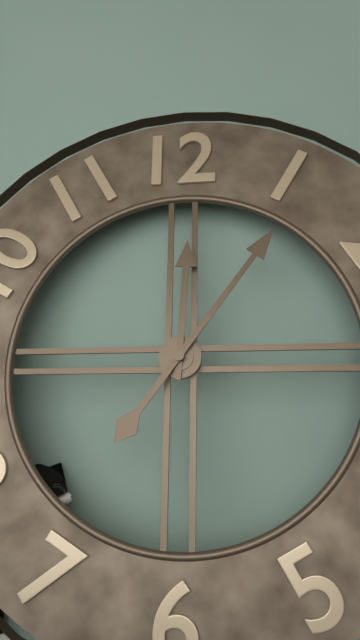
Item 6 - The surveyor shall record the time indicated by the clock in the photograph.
12:06
